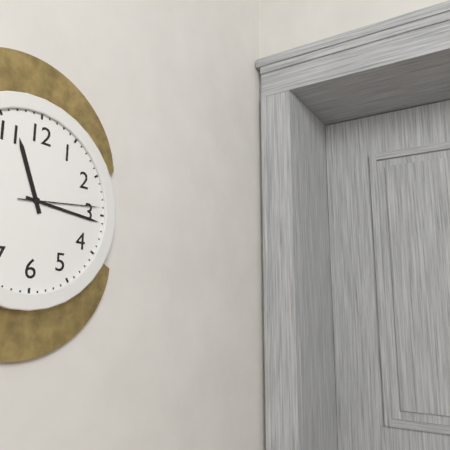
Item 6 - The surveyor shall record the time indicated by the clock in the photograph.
11:16:14
